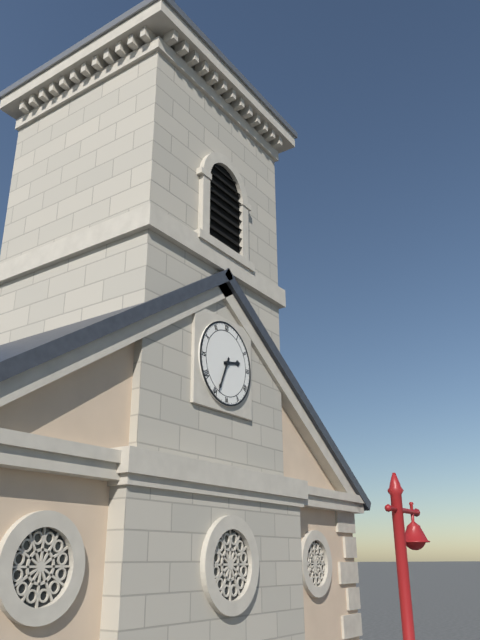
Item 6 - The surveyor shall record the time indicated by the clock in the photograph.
2:34
